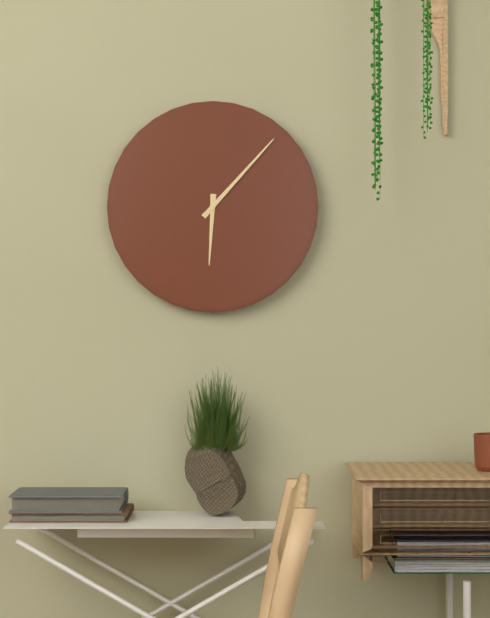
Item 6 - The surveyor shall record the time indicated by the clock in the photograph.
6:07
